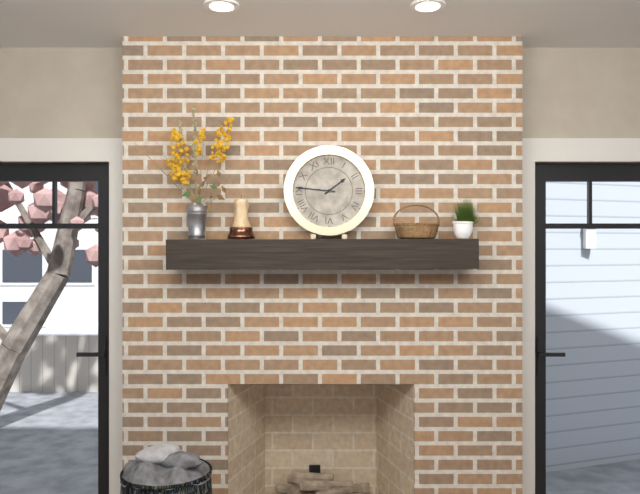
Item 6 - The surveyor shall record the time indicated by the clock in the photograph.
1:46
